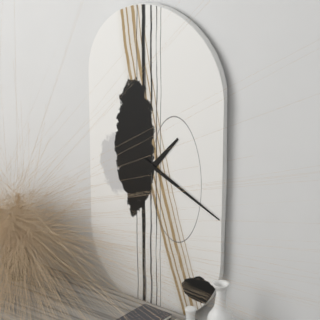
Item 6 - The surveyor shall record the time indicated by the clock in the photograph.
1:19
